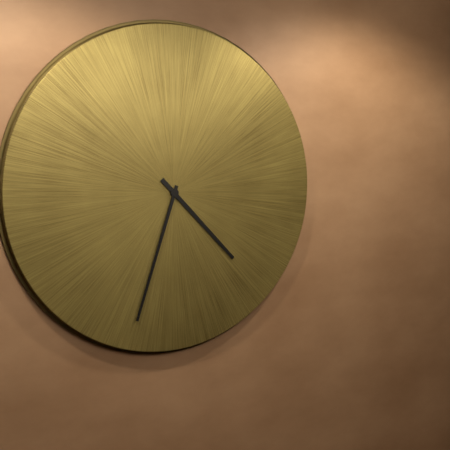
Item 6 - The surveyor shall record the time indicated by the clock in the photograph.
4:33
